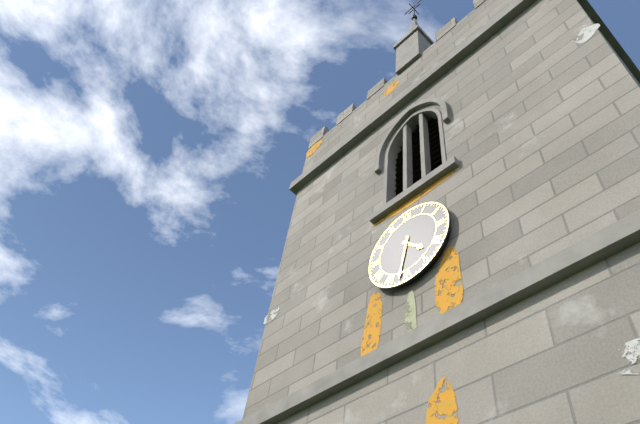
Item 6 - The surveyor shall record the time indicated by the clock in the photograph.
4:32
